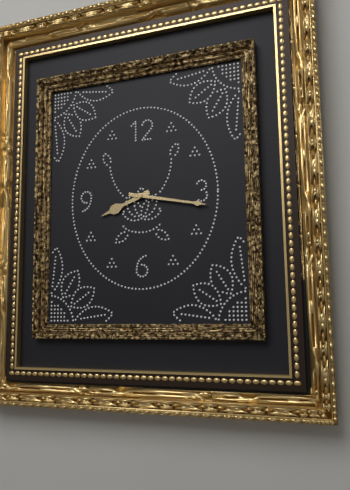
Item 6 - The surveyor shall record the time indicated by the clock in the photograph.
8:17
